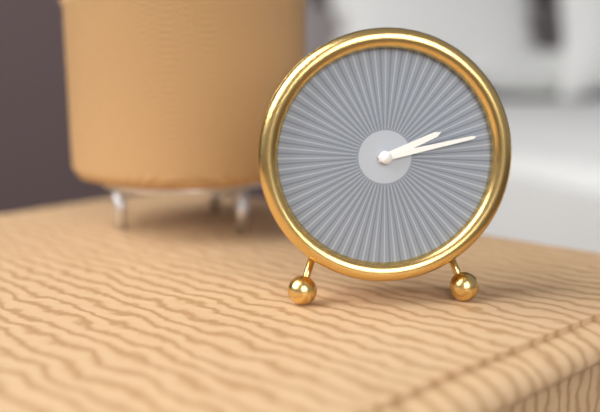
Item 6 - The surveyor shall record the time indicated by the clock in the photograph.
2:13
